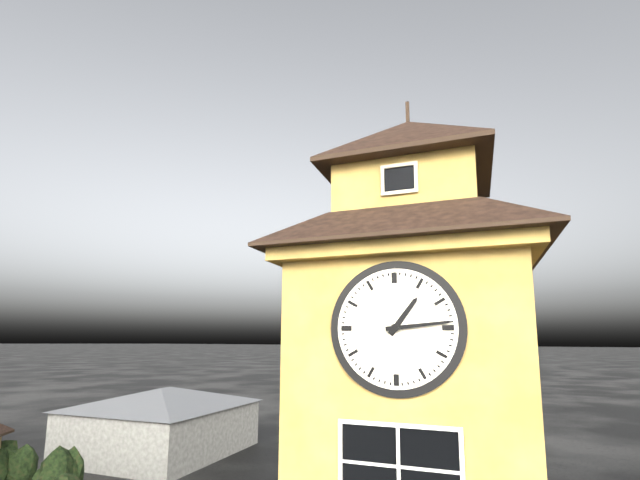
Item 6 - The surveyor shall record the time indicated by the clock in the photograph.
1:14
